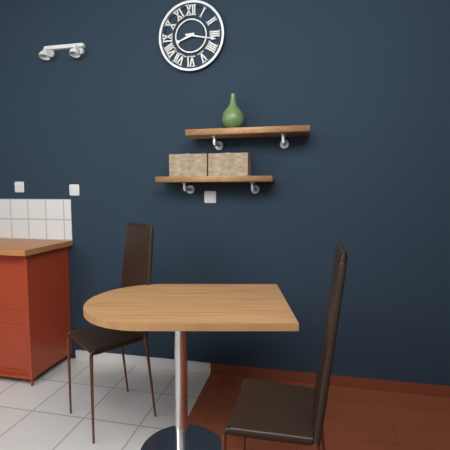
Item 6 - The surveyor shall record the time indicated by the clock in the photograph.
8:17
